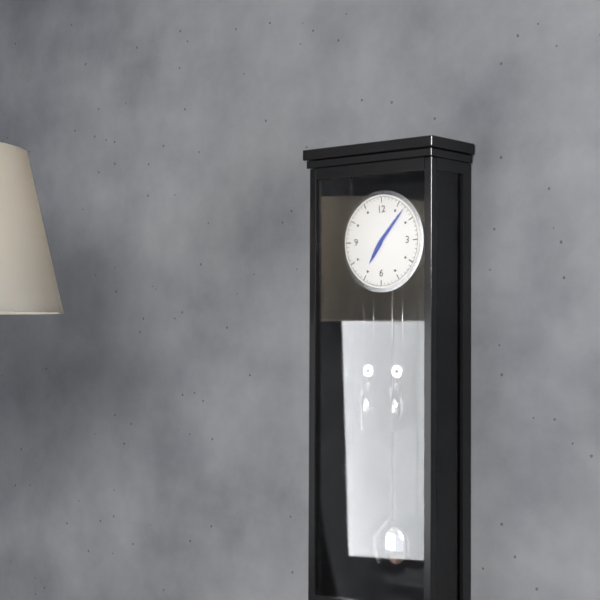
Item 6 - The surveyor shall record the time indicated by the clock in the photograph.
7:07
